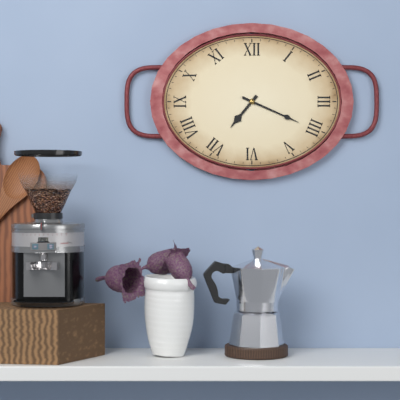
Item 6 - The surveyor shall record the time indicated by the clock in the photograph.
7:19
